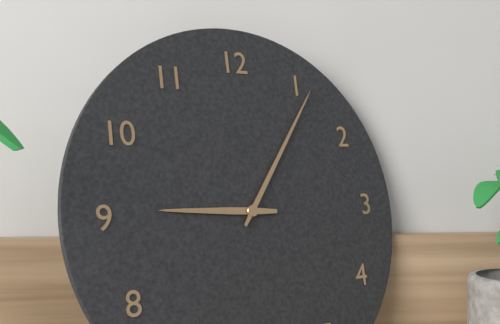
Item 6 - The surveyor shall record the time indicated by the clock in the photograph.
9:06
